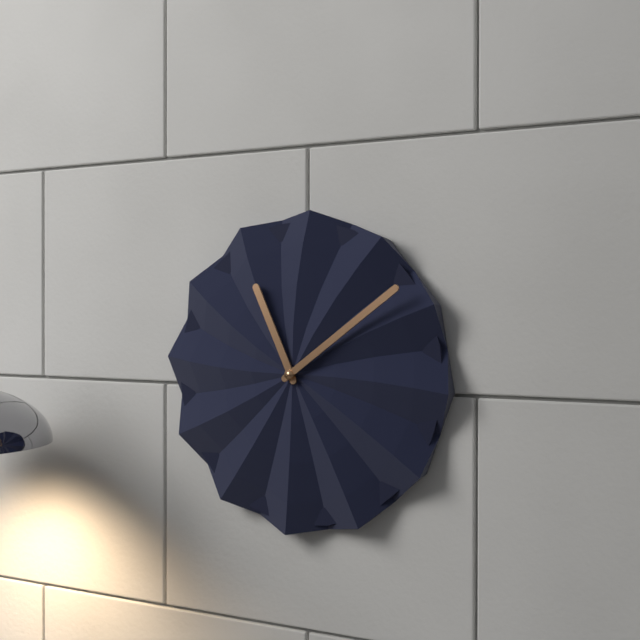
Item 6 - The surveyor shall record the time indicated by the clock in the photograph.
11:09
